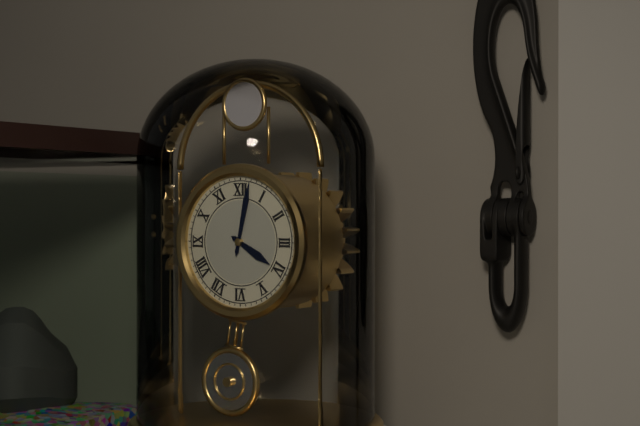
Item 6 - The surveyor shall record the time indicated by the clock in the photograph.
4:02
